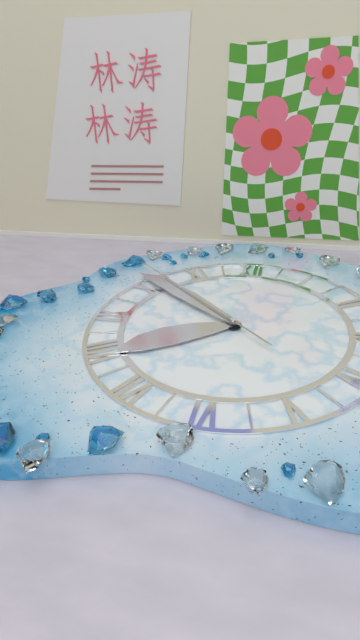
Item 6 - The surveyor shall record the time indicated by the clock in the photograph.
7:51:52
